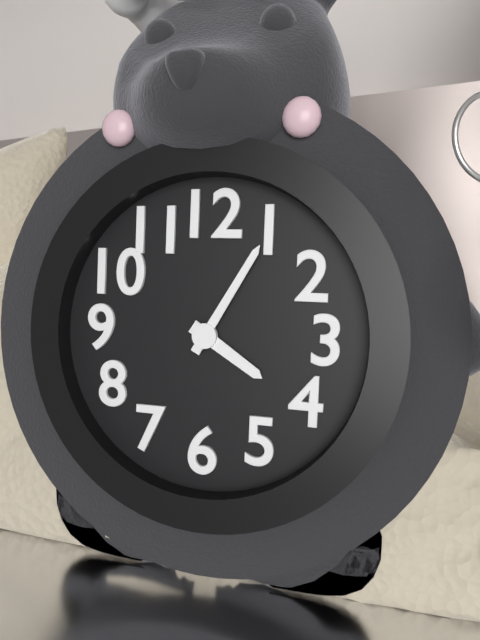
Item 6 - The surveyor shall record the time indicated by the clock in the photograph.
4:05
